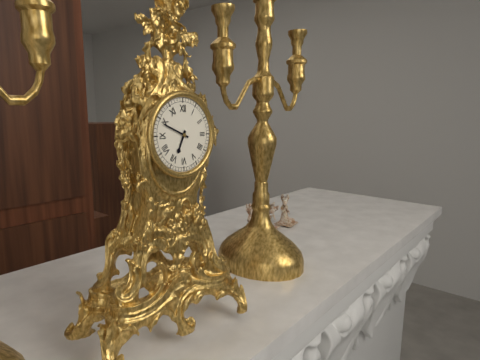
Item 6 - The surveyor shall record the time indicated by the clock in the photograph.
6:49
